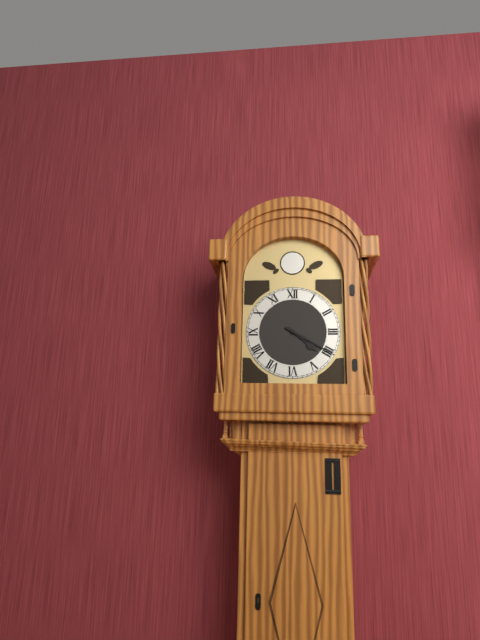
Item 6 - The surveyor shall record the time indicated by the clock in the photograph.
4:20
